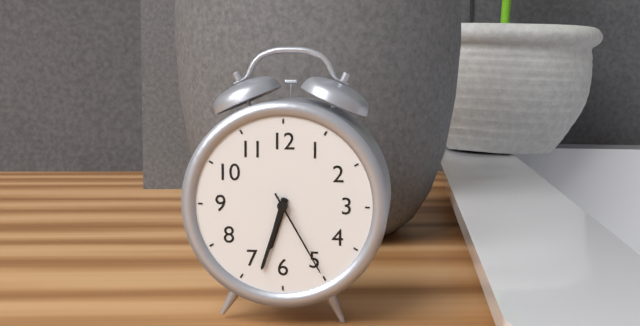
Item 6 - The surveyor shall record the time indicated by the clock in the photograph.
6:33:25
